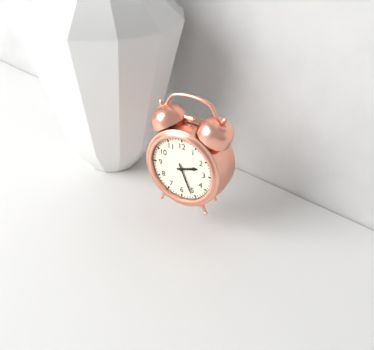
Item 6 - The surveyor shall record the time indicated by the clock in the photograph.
2:26
